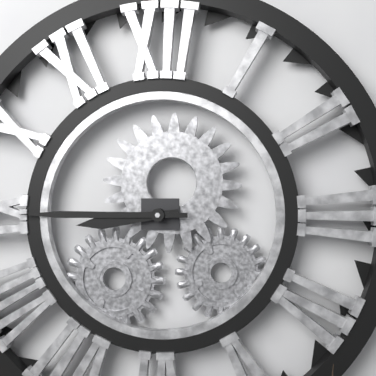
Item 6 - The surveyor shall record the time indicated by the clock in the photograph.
8:45
